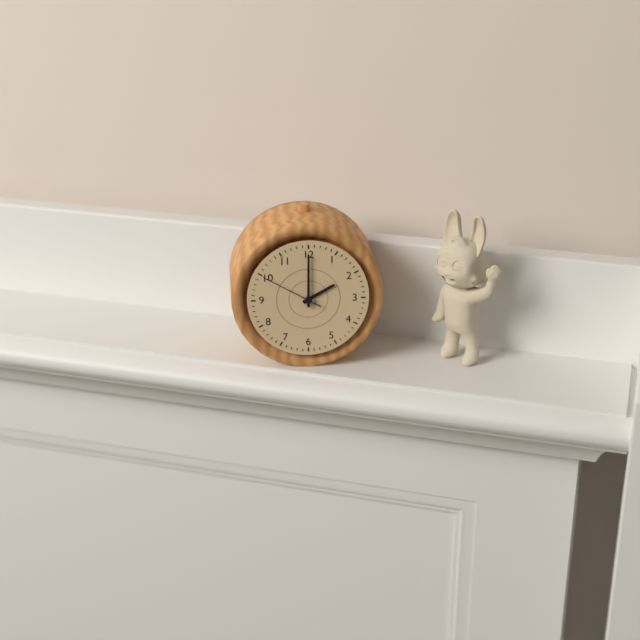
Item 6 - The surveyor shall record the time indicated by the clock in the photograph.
2:00:50
